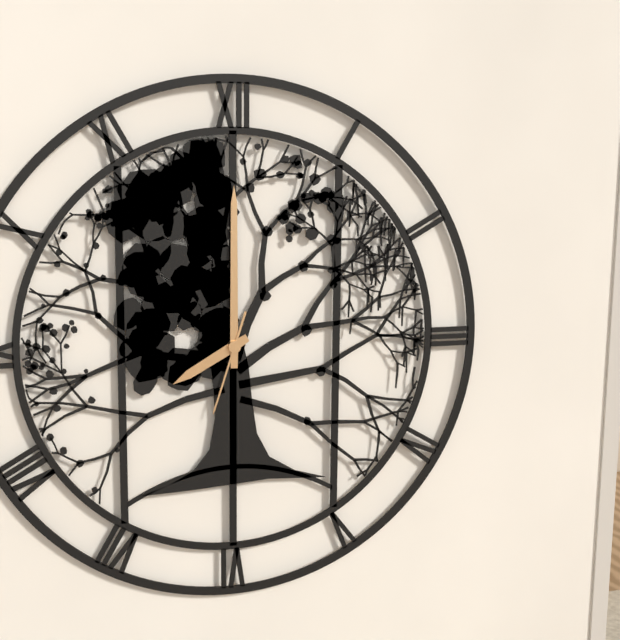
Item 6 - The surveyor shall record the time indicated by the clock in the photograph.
8:00:33
